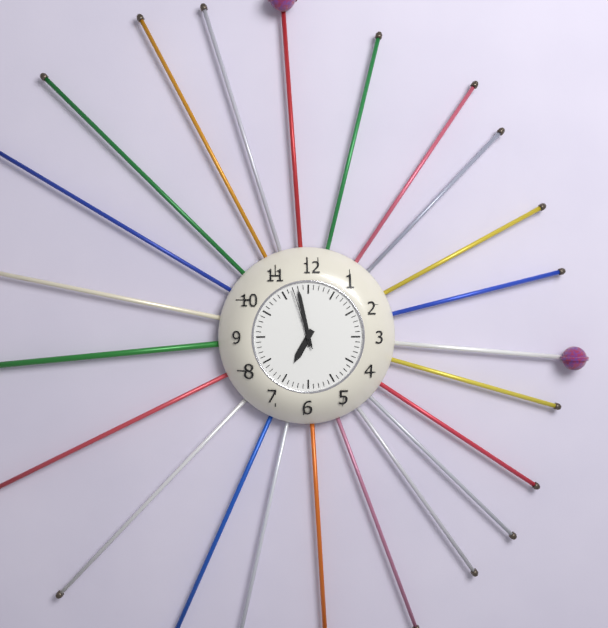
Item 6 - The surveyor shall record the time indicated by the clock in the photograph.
6:58:57
